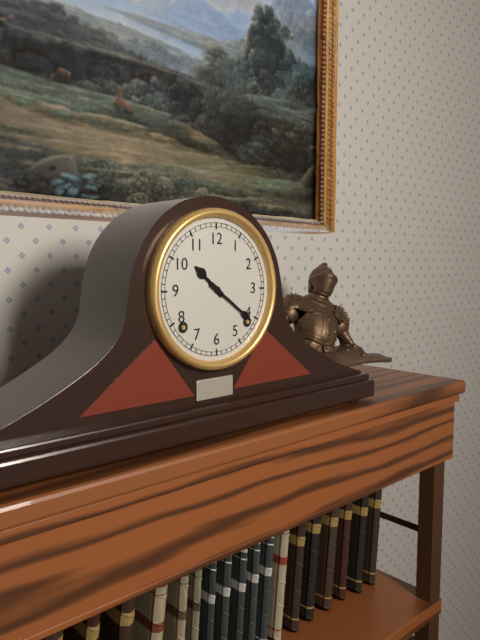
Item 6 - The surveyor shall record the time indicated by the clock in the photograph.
10:21
